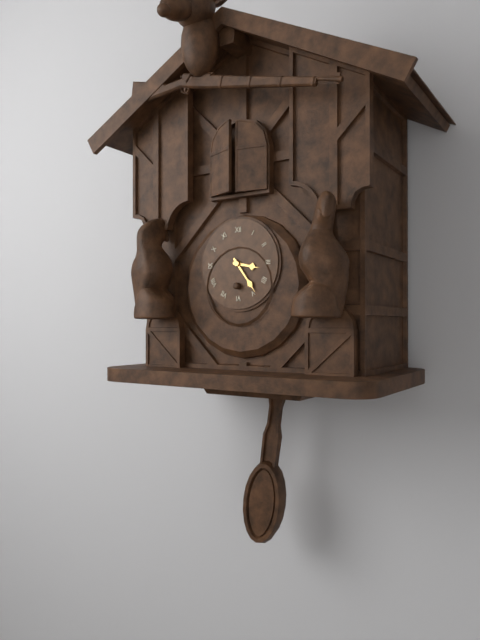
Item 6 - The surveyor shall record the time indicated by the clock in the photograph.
3:24
